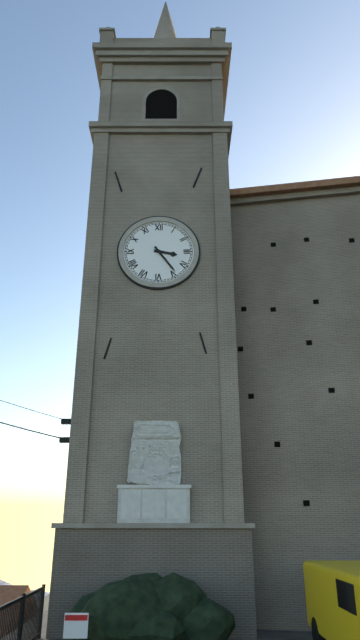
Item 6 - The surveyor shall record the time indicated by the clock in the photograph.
3:24
